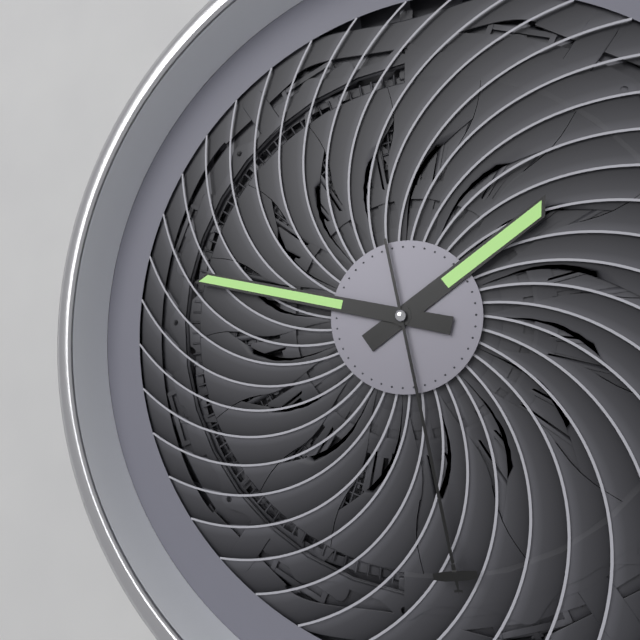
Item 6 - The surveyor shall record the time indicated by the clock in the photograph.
1:47:28
